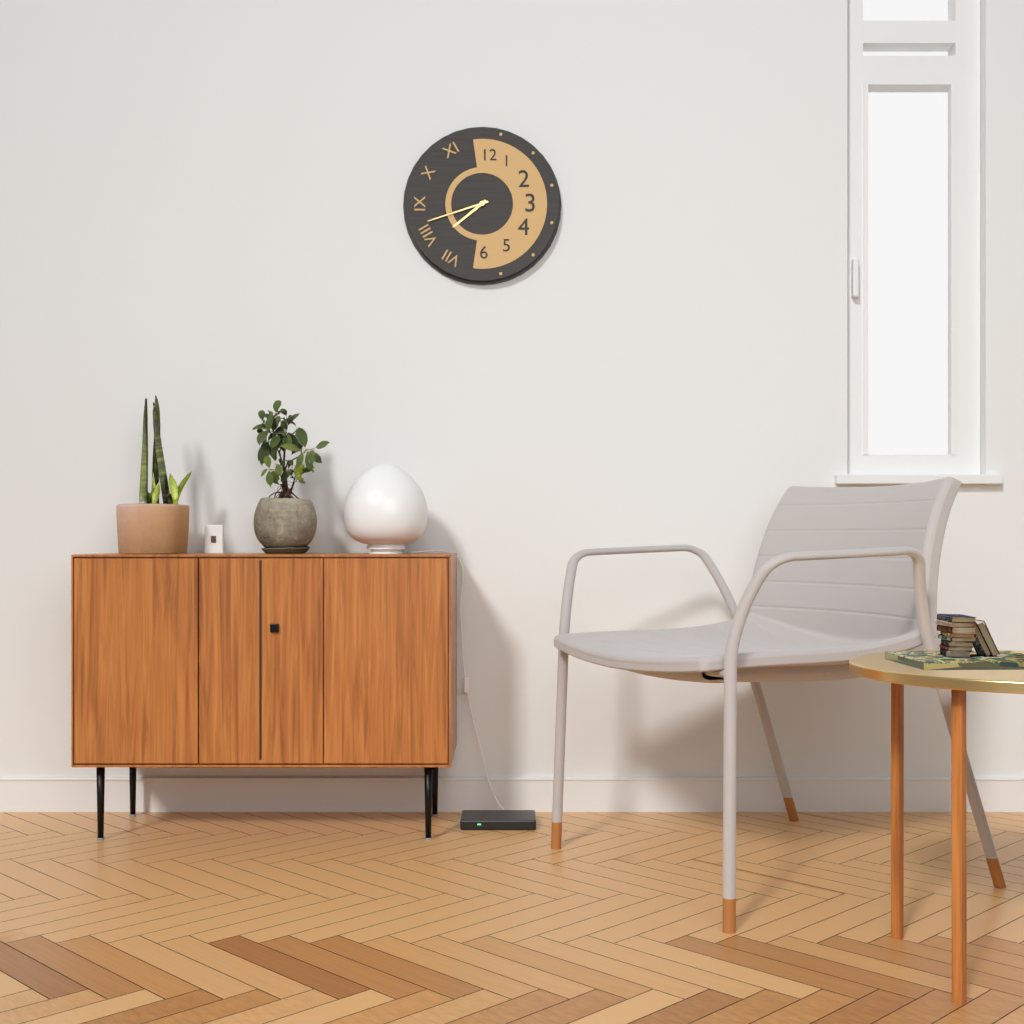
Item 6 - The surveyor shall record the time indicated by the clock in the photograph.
7:42
